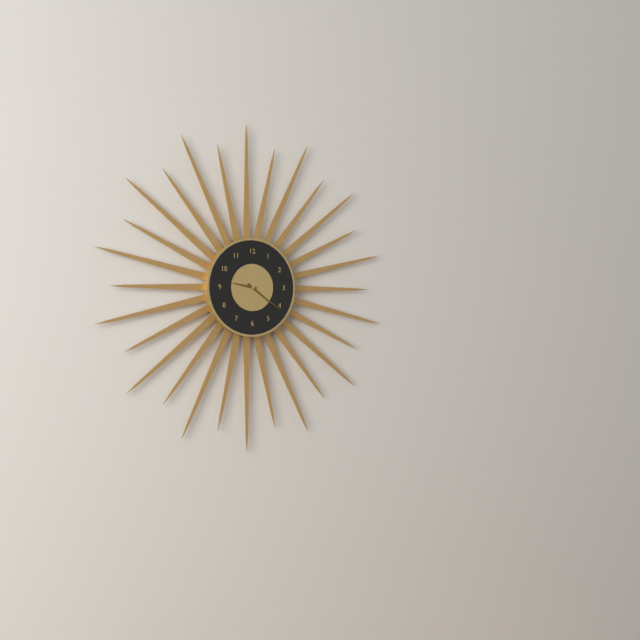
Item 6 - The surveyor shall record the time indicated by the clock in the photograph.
9:21
